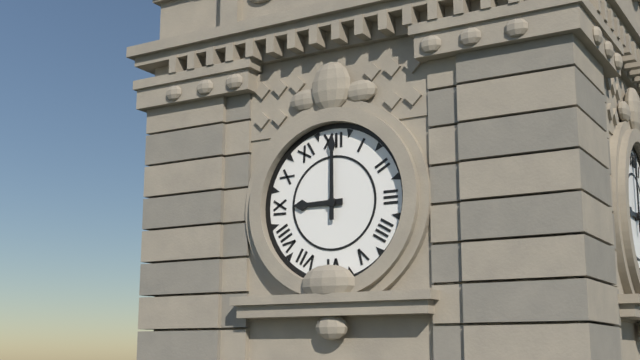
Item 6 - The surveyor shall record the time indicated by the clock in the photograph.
9:00
